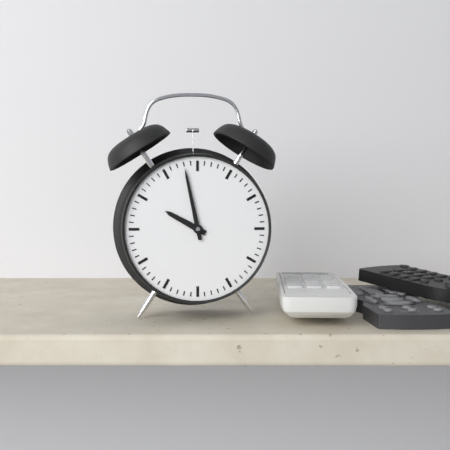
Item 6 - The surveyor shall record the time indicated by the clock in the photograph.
9:58
